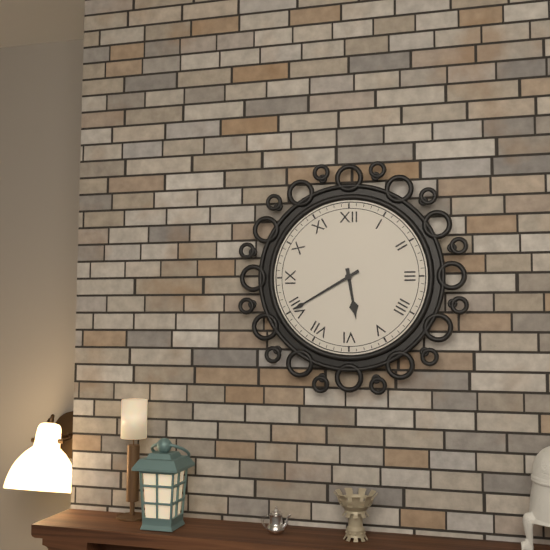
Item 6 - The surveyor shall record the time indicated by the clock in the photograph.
5:40
